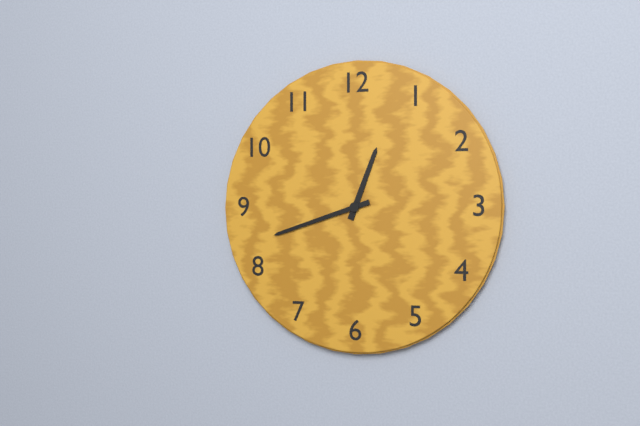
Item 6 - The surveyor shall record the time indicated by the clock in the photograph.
12:42
